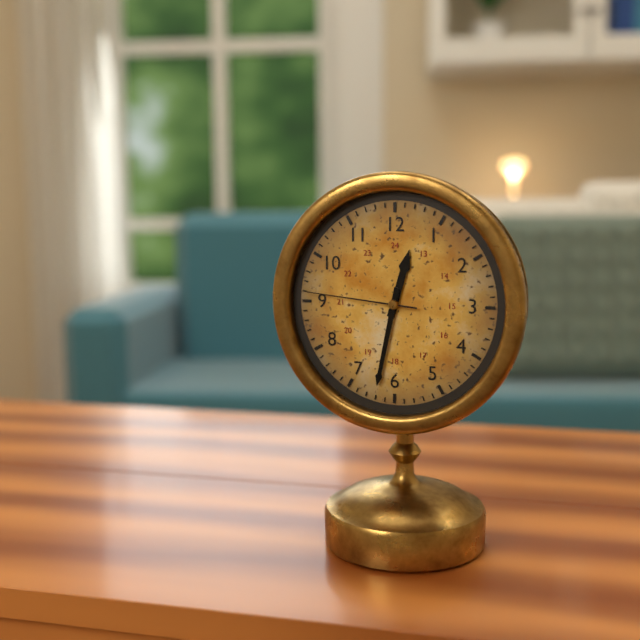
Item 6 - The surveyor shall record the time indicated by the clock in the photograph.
12:32:46
